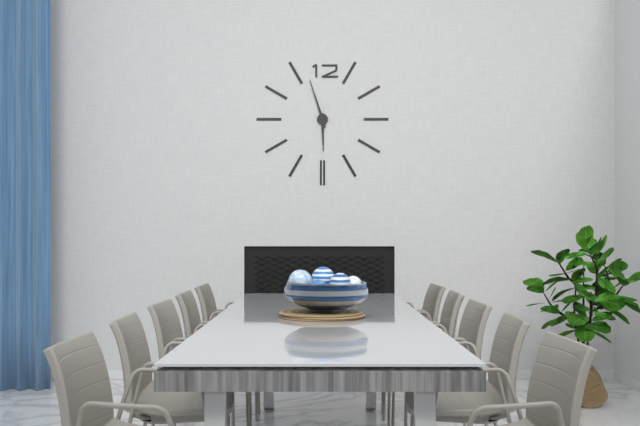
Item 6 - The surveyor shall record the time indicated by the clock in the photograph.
5:57
